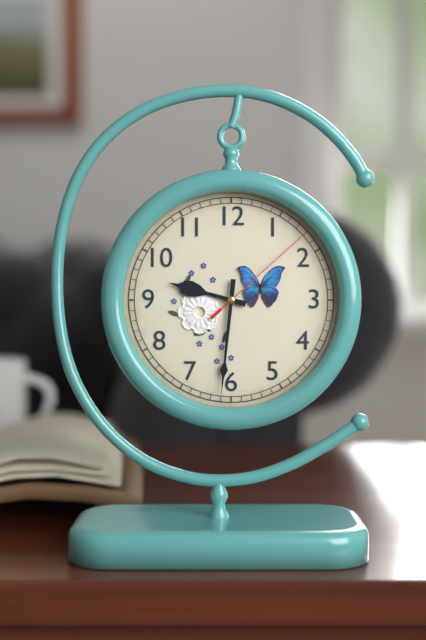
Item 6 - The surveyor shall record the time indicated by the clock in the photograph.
9:31:08
